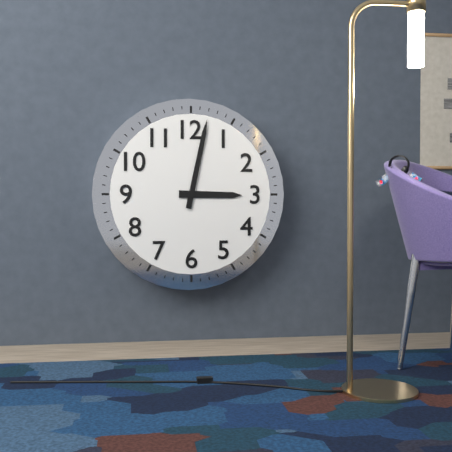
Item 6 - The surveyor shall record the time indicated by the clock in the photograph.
3:02
